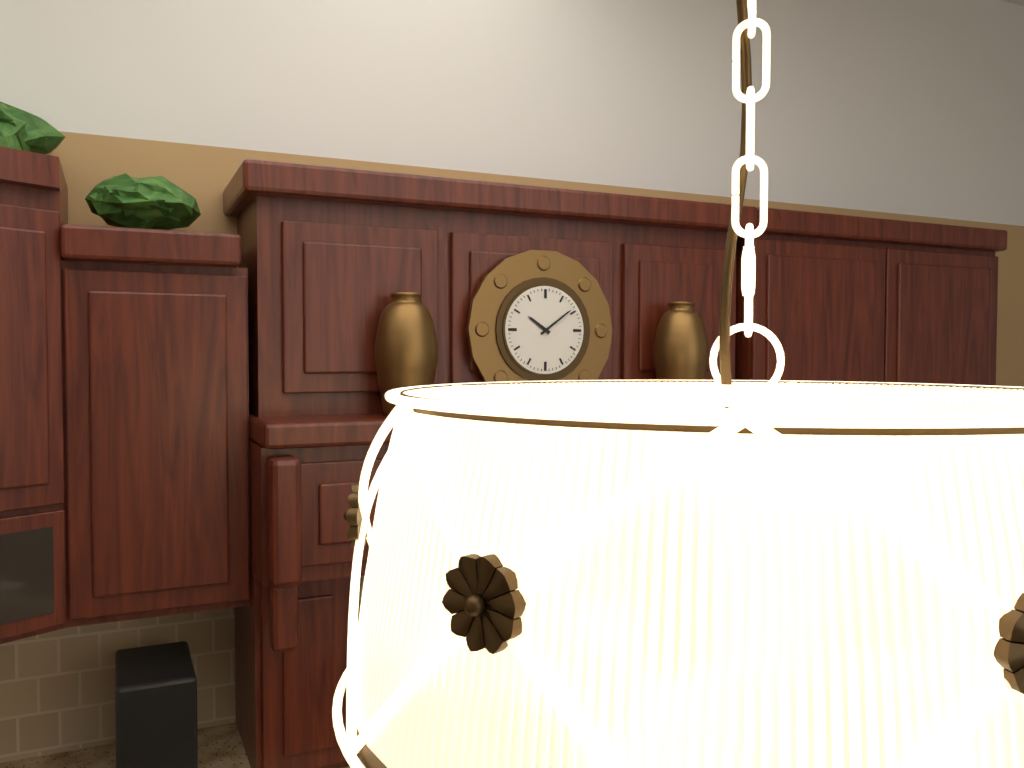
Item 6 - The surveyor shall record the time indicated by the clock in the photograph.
10:09
